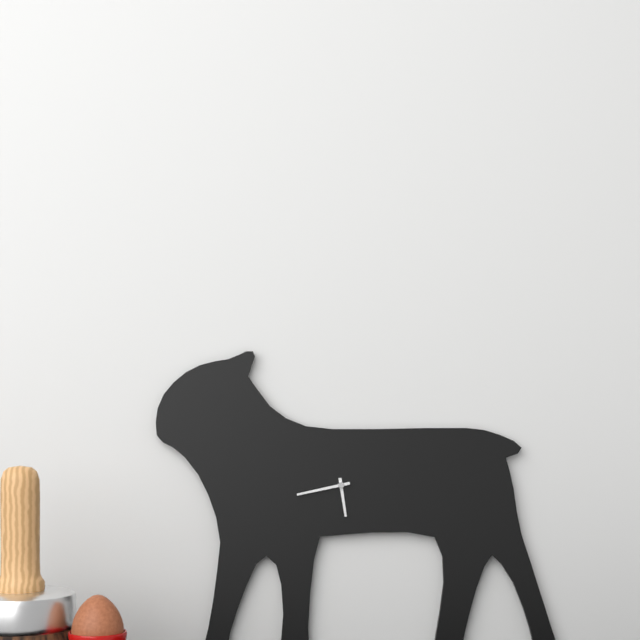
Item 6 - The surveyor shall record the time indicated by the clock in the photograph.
5:43
